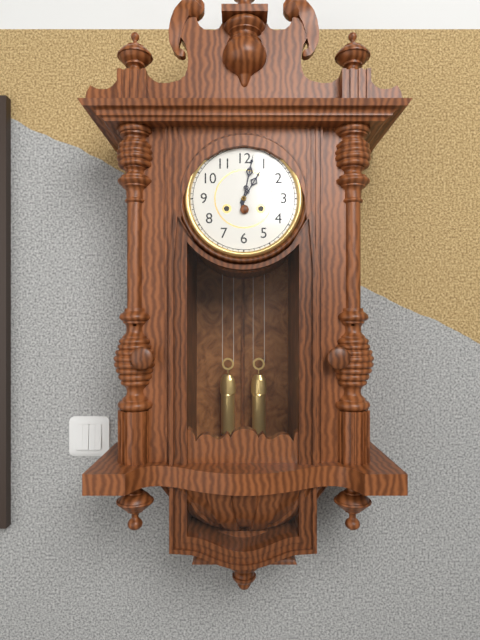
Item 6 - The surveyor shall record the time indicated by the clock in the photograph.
1:02
